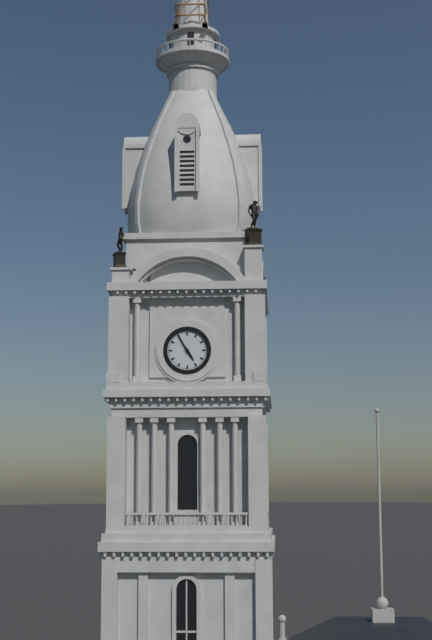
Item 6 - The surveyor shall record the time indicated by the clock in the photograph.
4:55
